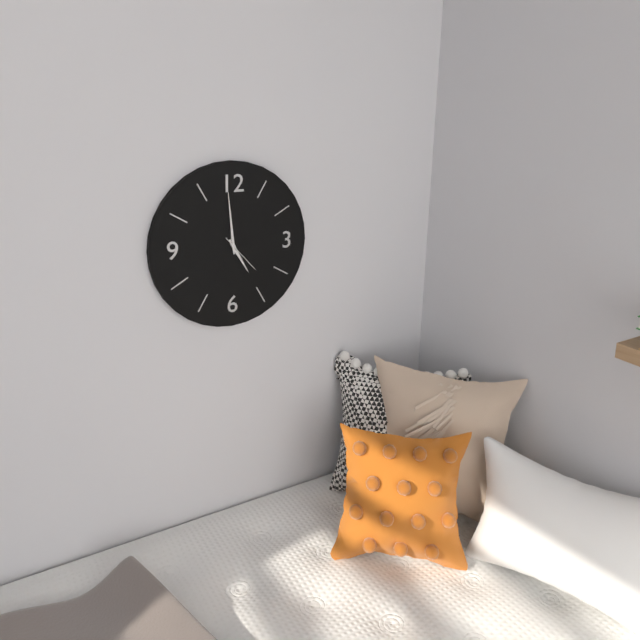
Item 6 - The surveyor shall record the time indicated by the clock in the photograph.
4:59
